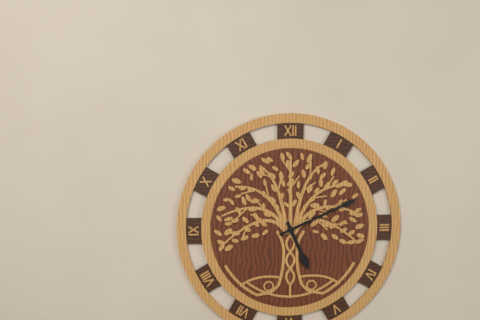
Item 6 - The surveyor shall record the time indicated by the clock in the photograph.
5:11
